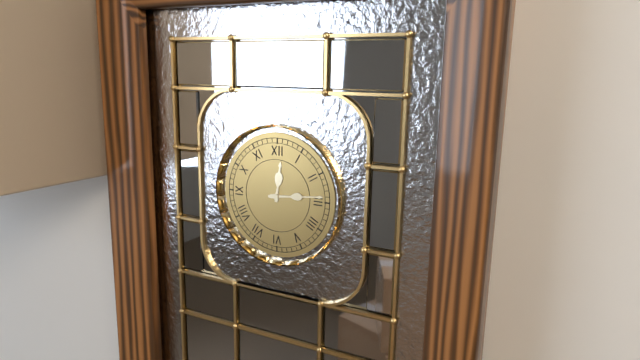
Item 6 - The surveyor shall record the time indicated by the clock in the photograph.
12:14
